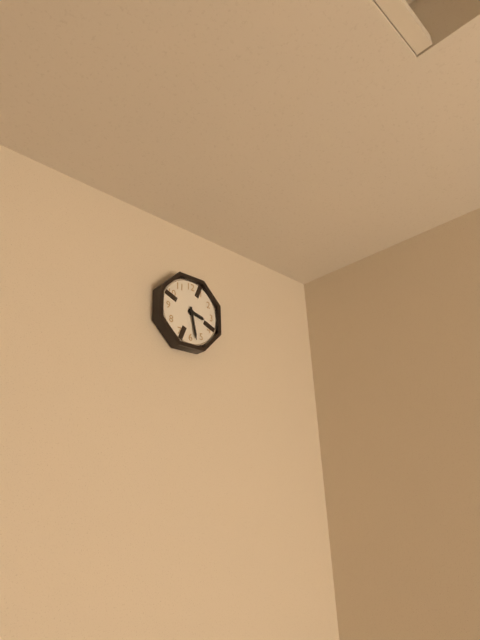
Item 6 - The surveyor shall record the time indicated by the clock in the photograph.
3:28
